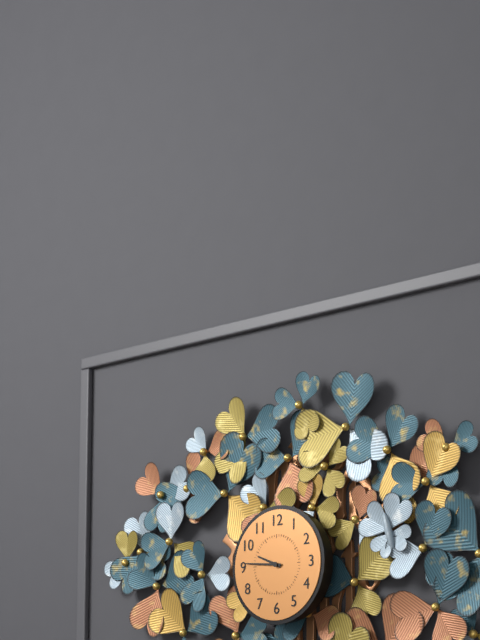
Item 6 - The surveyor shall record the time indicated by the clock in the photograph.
9:46
